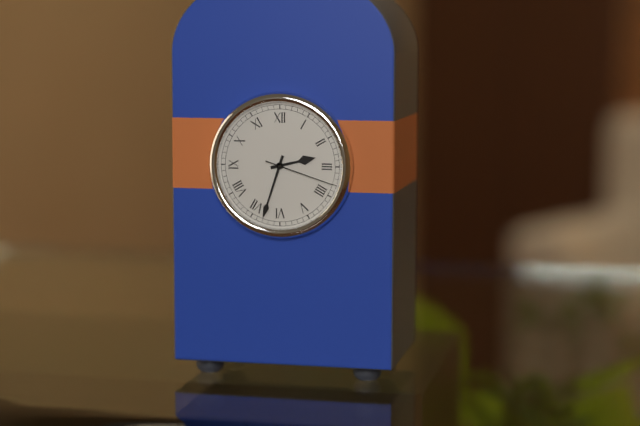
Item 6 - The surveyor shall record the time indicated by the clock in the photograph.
2:33:18
